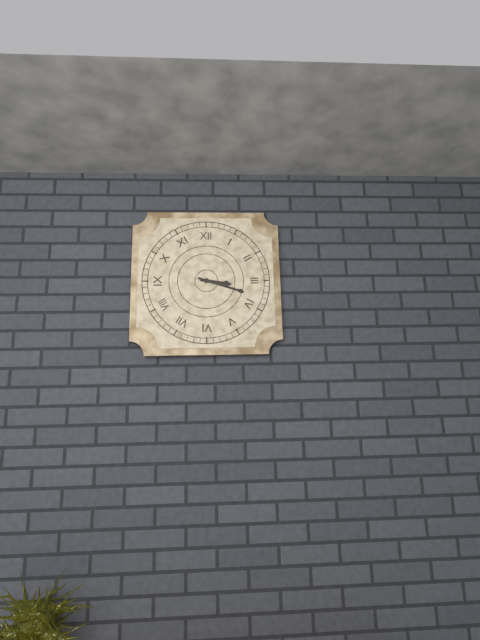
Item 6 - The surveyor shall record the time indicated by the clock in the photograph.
3:18
